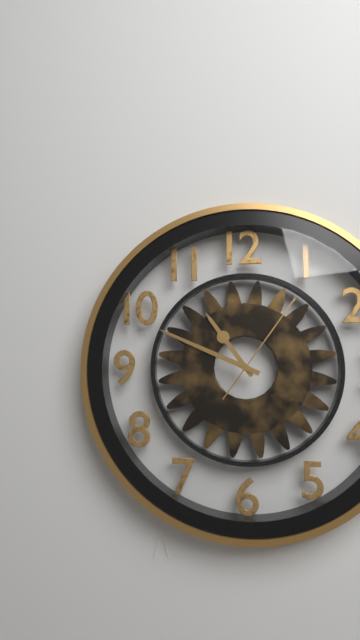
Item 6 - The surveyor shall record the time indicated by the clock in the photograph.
10:49:06
